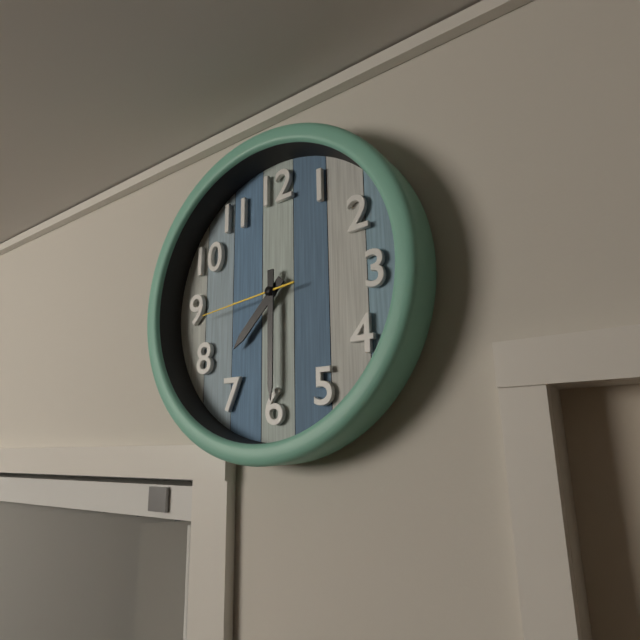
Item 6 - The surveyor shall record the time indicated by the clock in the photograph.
7:30:44
